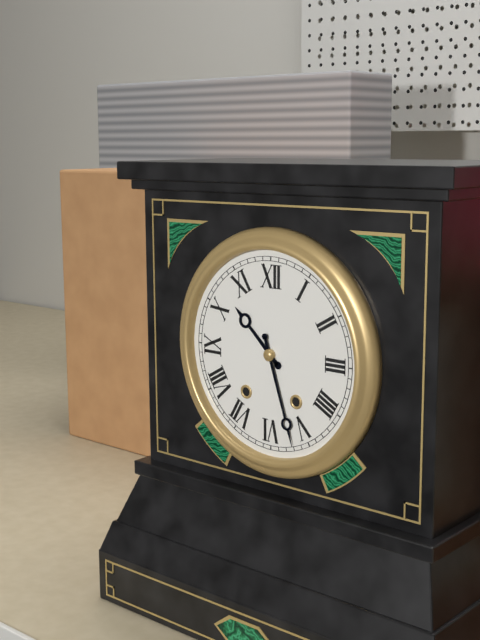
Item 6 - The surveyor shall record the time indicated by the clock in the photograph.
10:27
